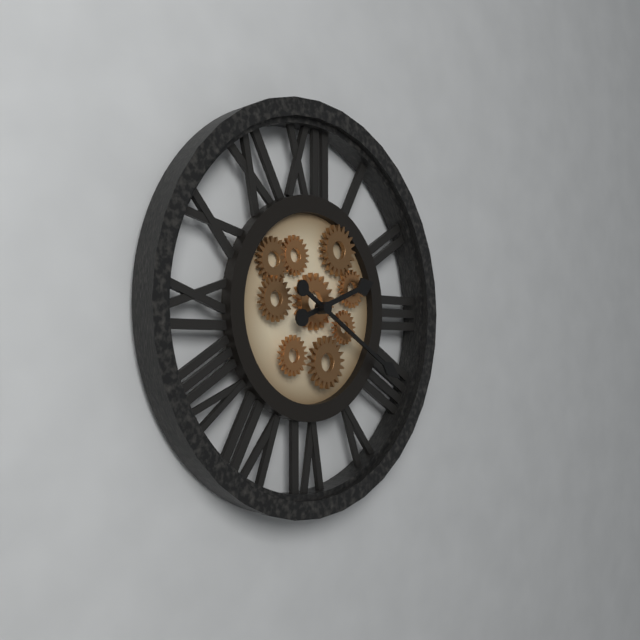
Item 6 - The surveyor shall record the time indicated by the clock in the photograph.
2:20
